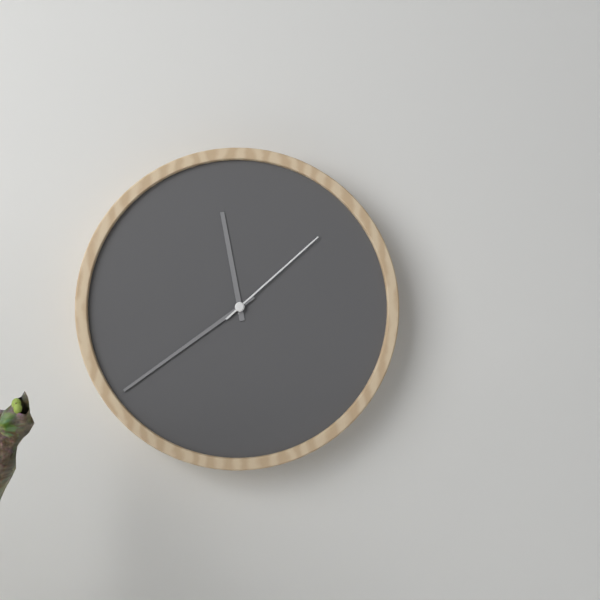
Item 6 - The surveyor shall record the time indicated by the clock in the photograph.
11:39:08
